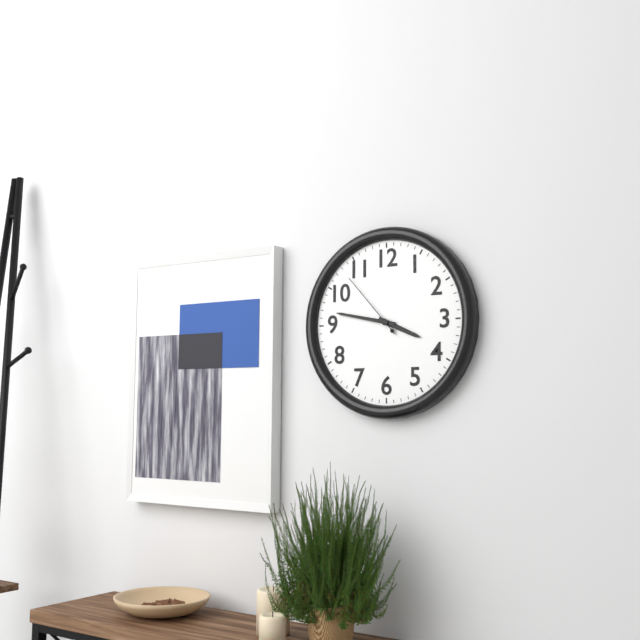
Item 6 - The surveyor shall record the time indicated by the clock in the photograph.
3:47:53
